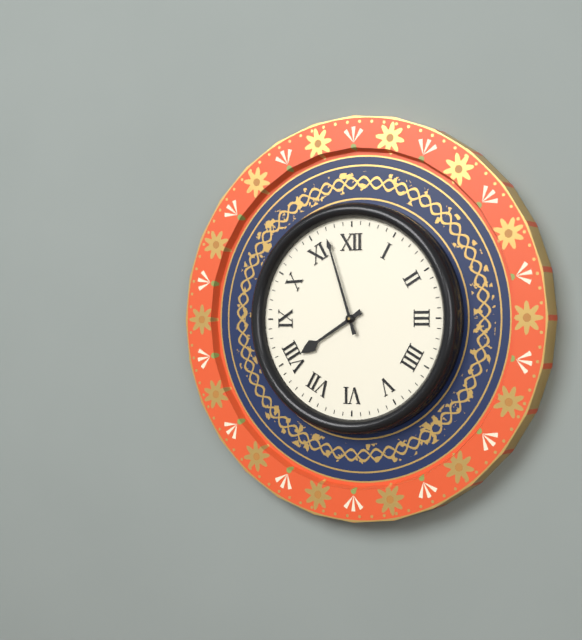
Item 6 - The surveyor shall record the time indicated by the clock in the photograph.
7:57
